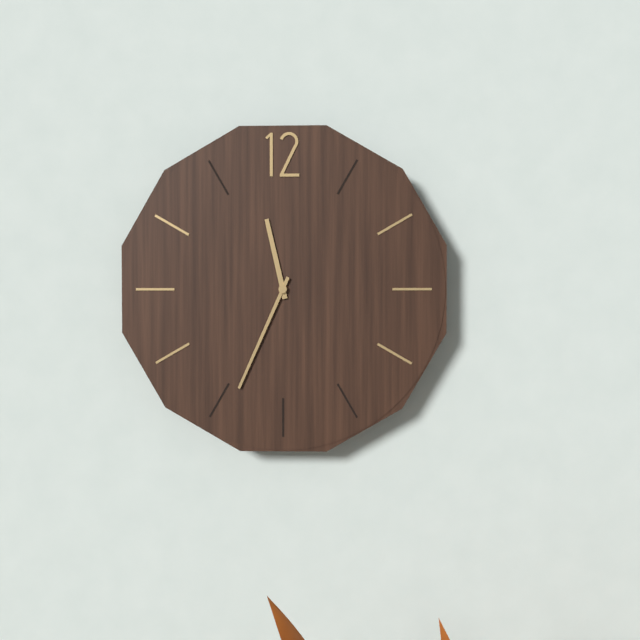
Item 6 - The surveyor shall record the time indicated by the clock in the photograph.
11:34
